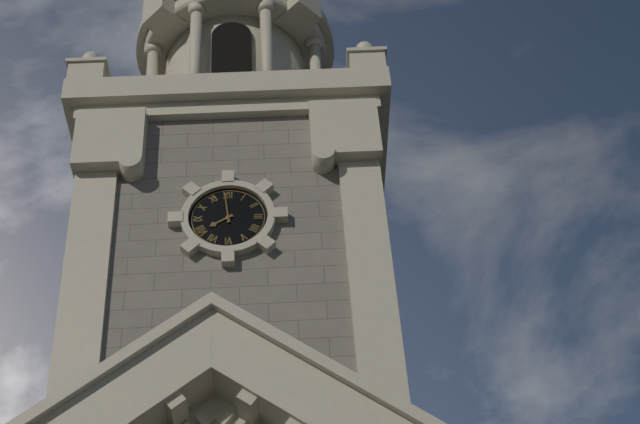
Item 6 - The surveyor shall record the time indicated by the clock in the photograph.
7:59
